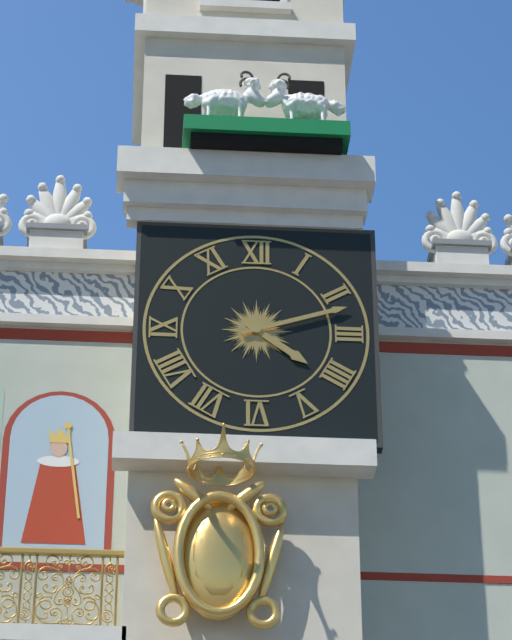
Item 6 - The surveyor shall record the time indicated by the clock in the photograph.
4:12
